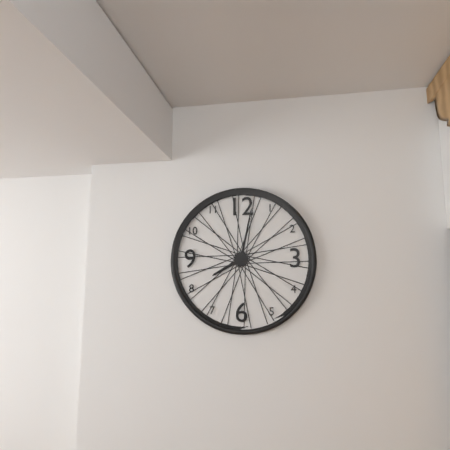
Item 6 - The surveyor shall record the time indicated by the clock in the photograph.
8:02
